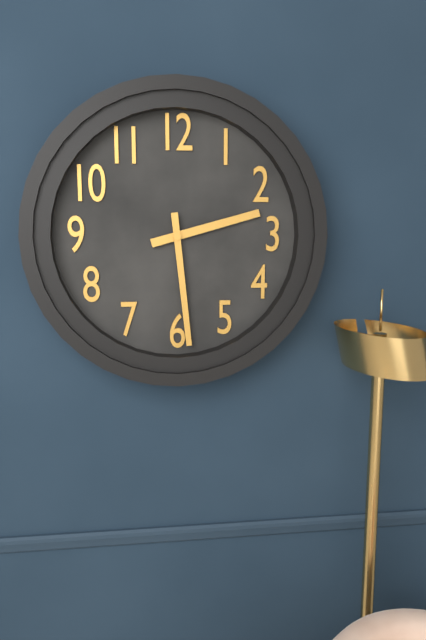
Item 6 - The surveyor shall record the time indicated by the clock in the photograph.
2:29
